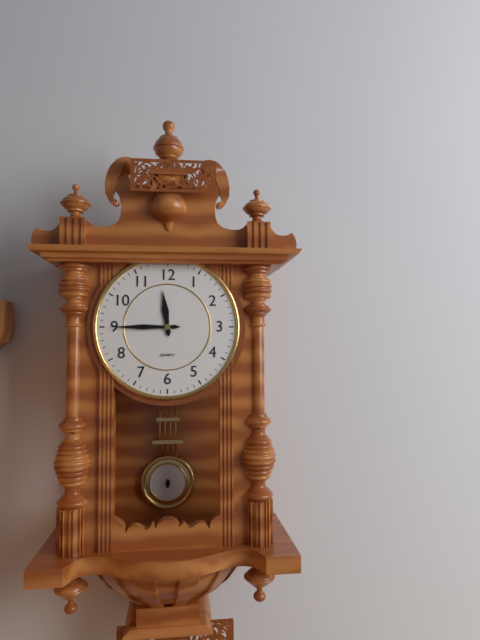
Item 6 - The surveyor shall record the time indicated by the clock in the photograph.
11:45
